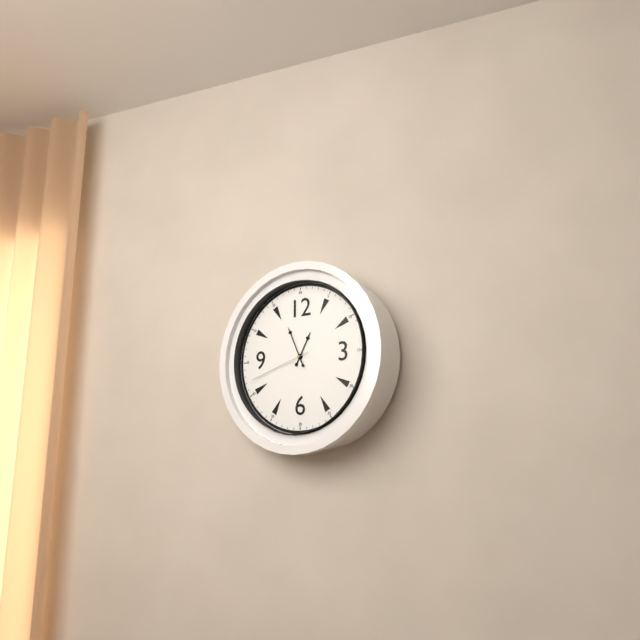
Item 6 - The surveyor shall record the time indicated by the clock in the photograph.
12:56:42
